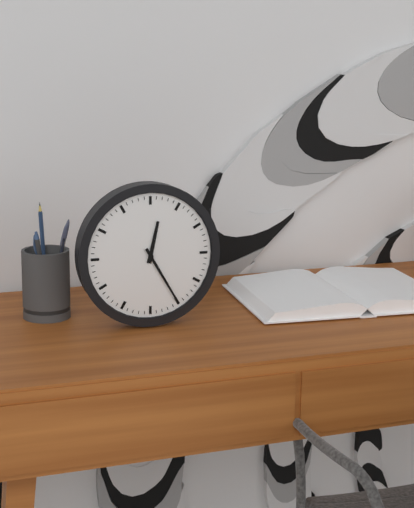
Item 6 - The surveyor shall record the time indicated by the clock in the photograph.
12:25
